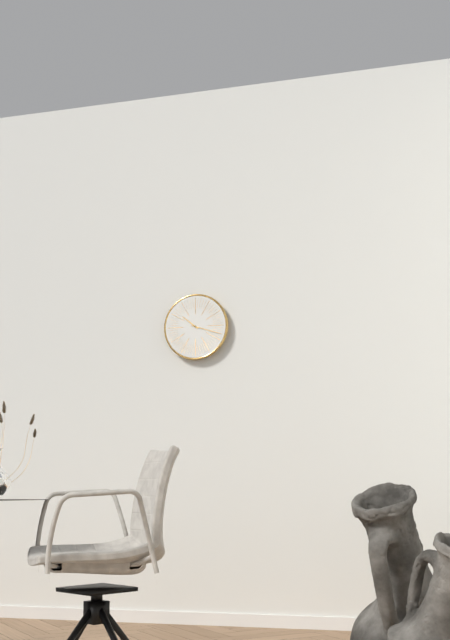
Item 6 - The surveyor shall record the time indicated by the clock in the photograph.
10:18
